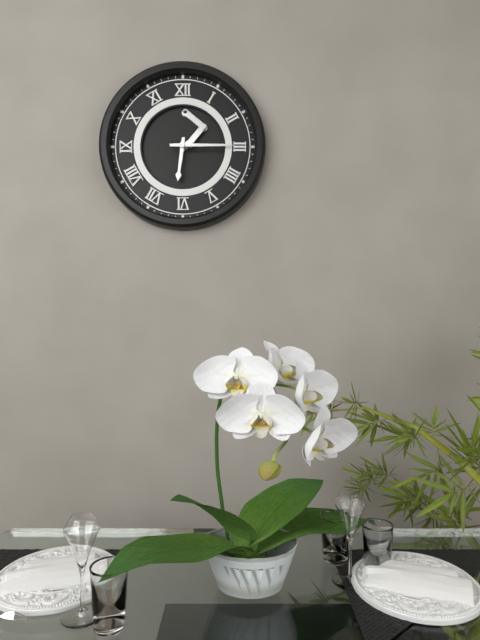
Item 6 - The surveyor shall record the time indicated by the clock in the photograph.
6:15
